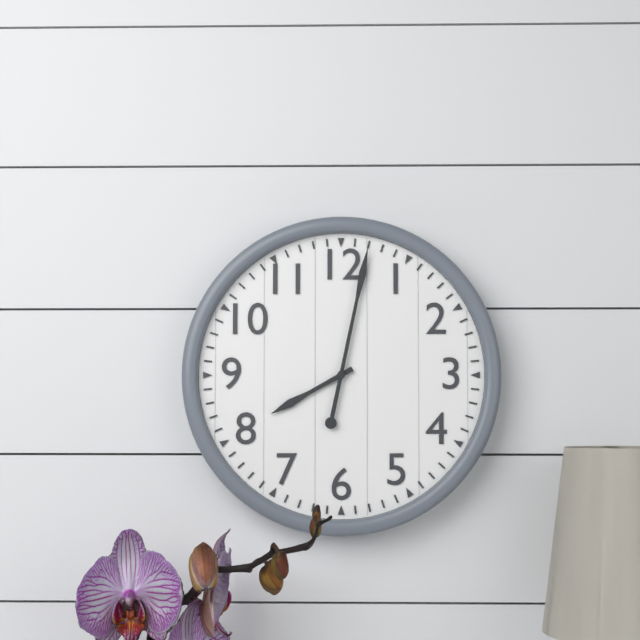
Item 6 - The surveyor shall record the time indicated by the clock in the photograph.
8:02
